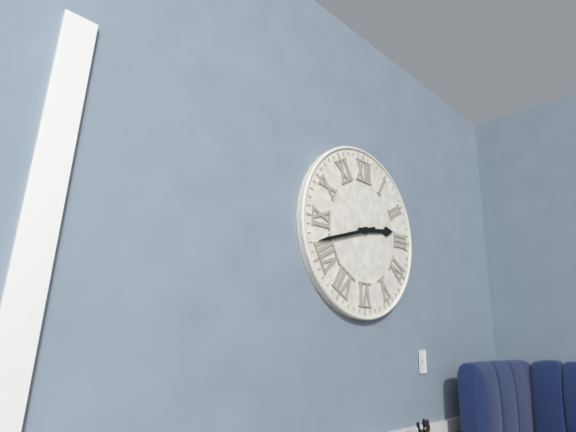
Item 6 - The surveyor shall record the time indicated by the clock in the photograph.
2:42
